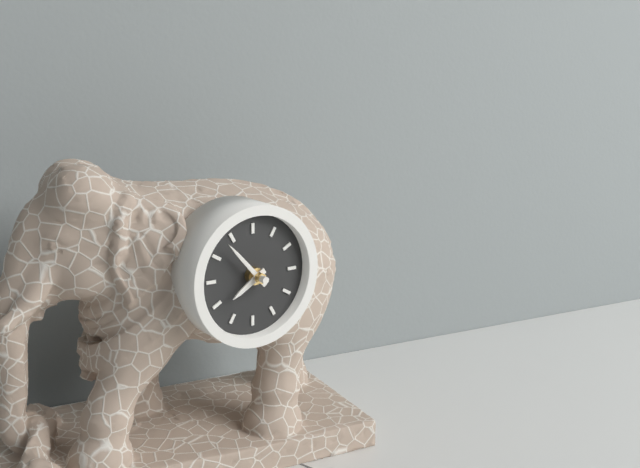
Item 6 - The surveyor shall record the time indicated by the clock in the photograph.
7:53
